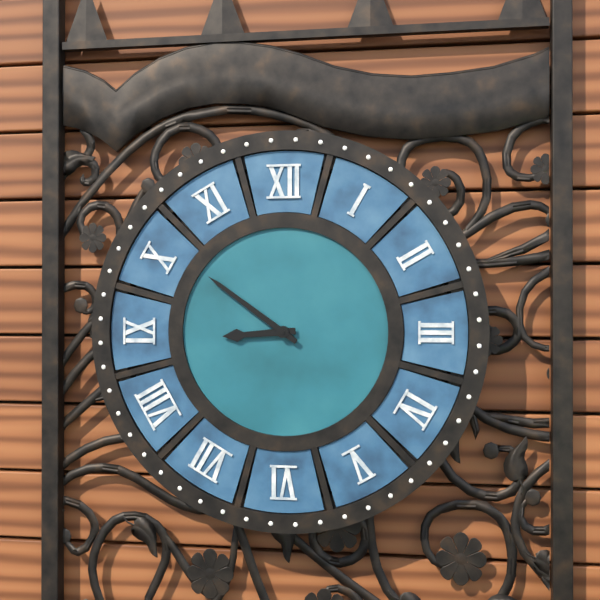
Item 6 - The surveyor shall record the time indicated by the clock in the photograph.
8:51
